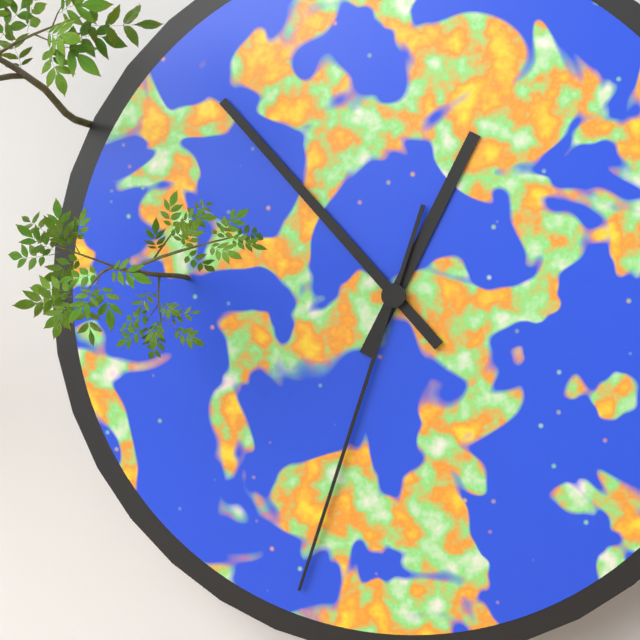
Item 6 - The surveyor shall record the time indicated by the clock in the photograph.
12:53:33
